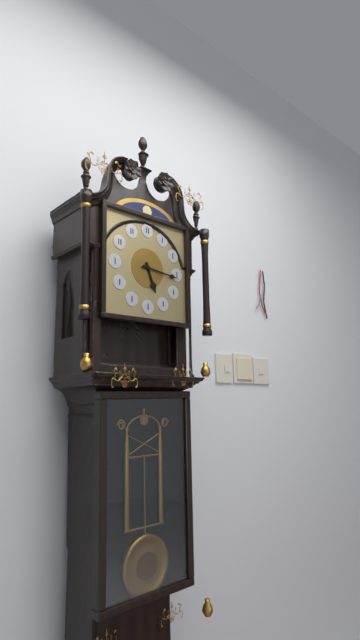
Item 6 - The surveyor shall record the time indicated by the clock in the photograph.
5:16
